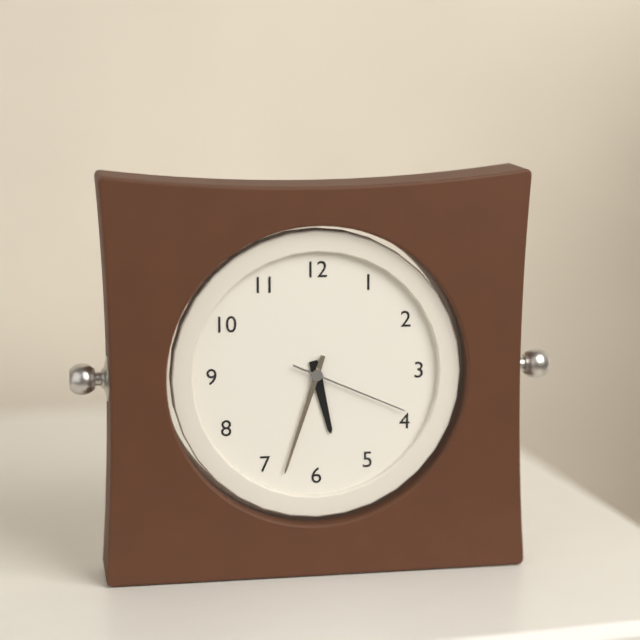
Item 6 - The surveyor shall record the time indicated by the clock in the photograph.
5:33:19
